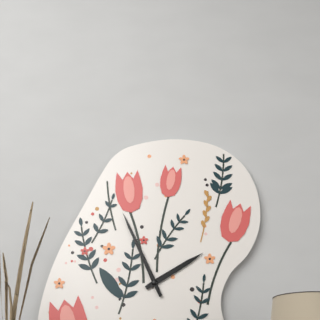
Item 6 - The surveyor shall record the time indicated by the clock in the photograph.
1:56
